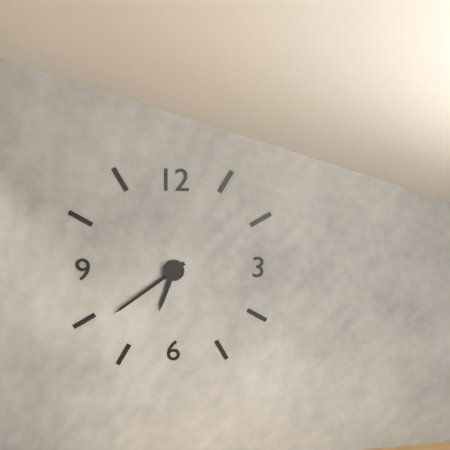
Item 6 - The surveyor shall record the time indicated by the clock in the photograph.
6:39
